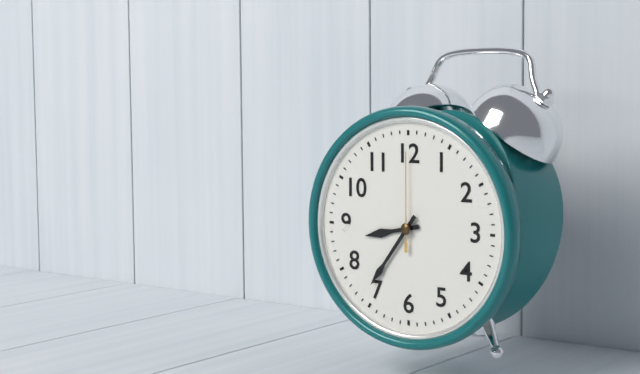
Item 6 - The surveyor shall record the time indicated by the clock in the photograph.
8:36:00
